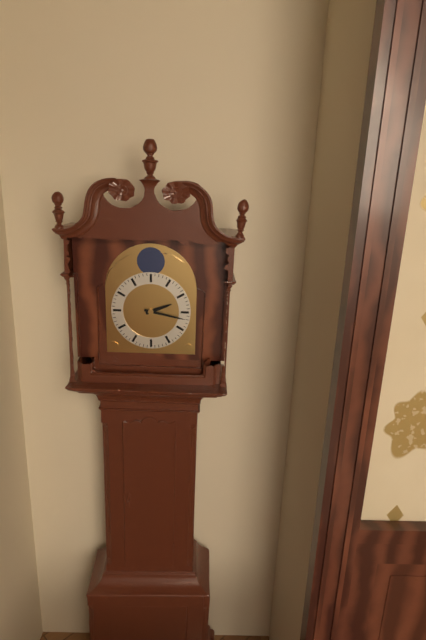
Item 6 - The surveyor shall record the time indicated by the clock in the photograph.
2:17
